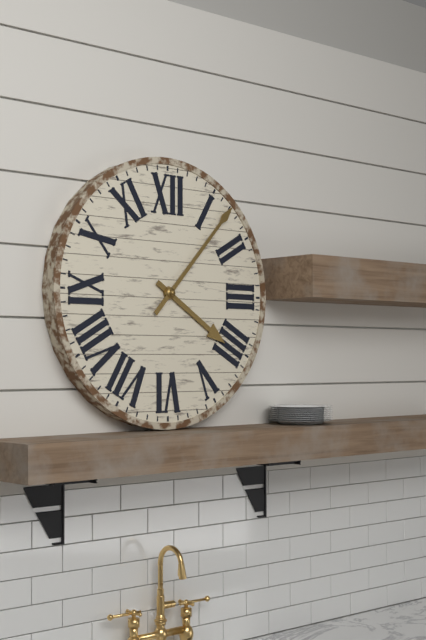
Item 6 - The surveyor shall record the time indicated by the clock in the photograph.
4:07
